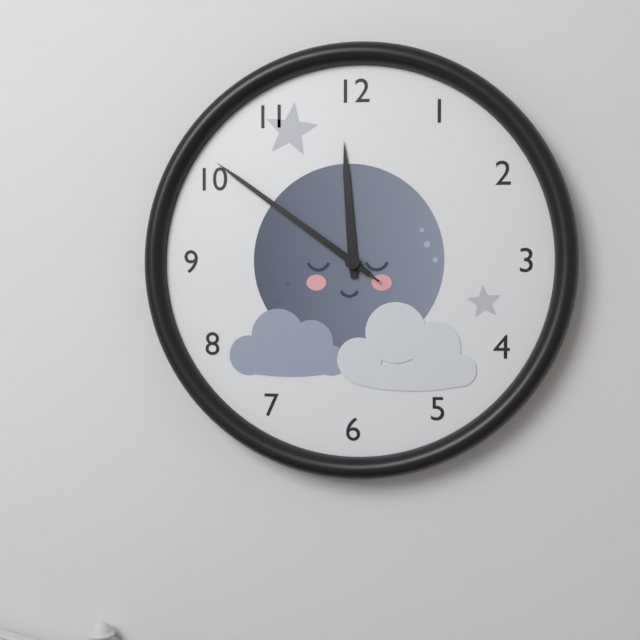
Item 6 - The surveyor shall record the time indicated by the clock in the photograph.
11:51:51
